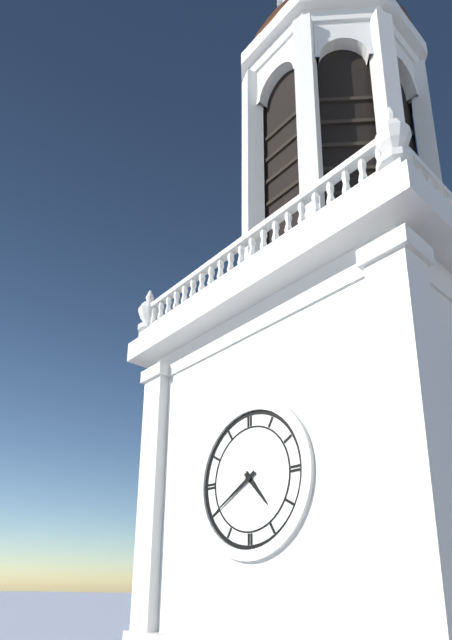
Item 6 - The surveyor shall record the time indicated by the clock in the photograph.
4:40
